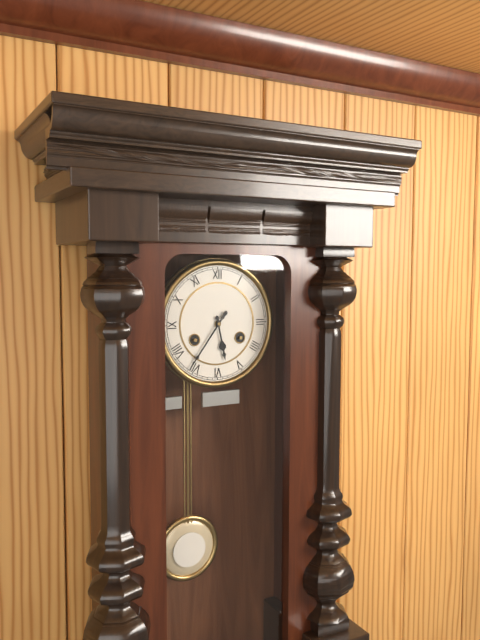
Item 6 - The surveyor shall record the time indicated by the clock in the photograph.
5:36
